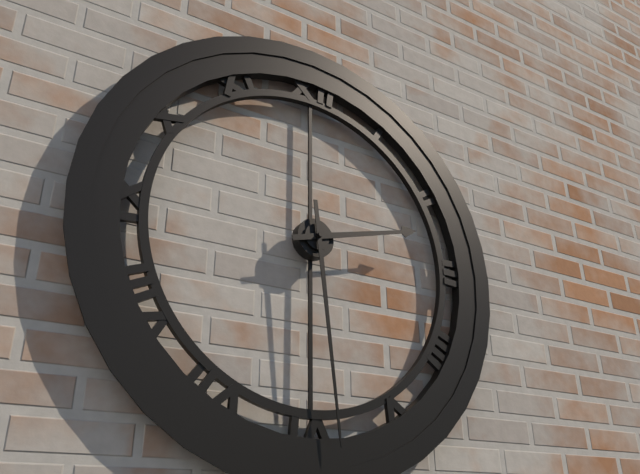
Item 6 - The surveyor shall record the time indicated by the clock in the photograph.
2:29
